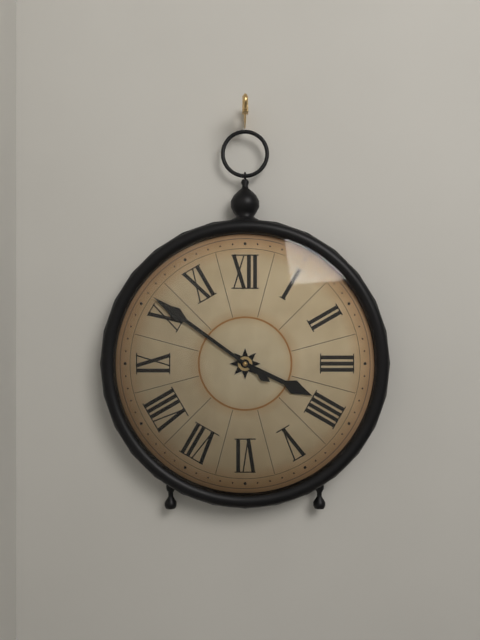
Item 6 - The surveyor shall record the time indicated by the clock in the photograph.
3:51
